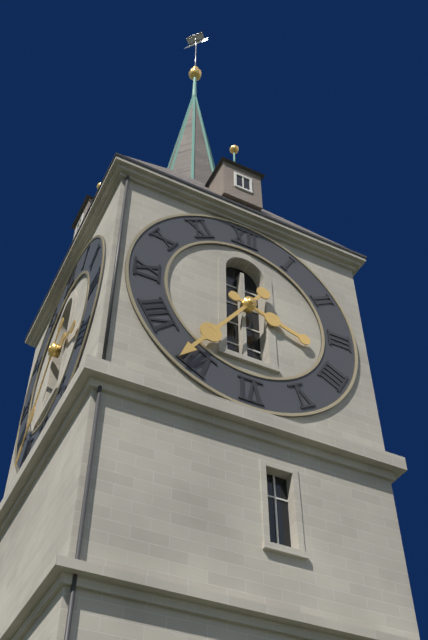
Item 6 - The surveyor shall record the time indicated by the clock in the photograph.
3:36
